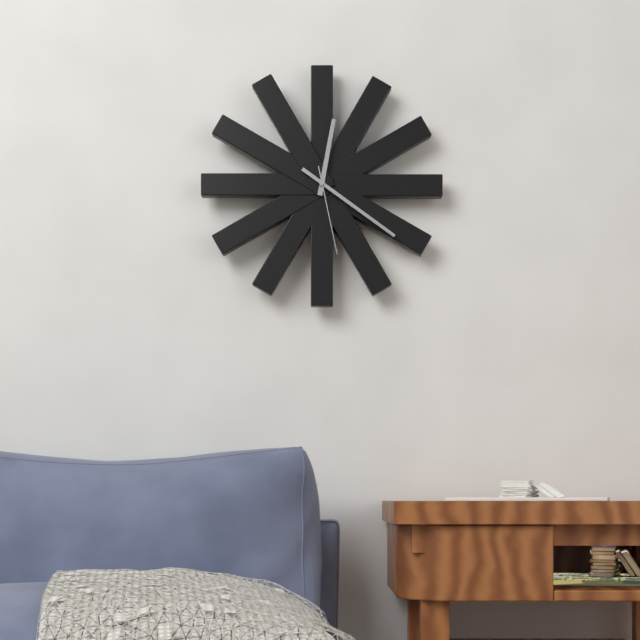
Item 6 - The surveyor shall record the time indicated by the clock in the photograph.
12:21:28
